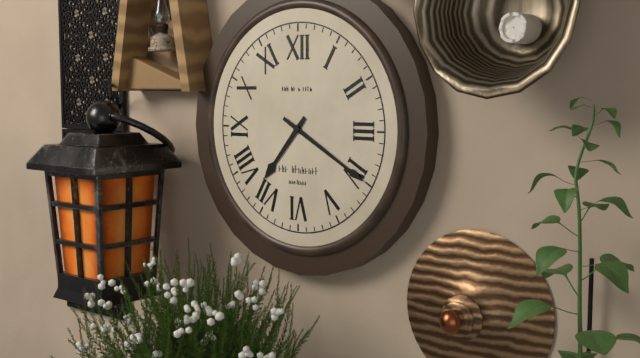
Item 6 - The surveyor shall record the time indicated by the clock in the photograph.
7:20
